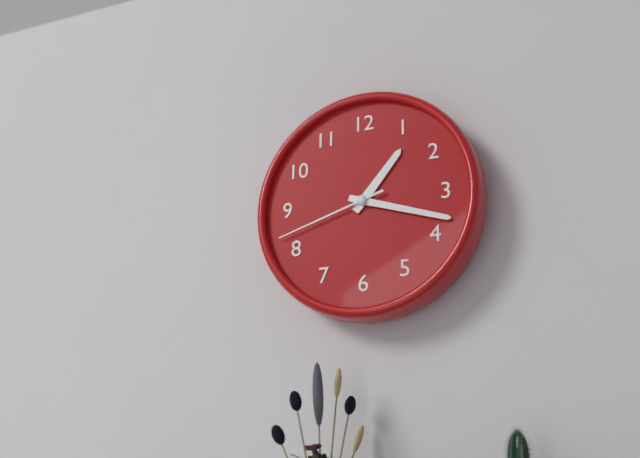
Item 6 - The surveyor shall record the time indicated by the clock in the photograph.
1:18:42
